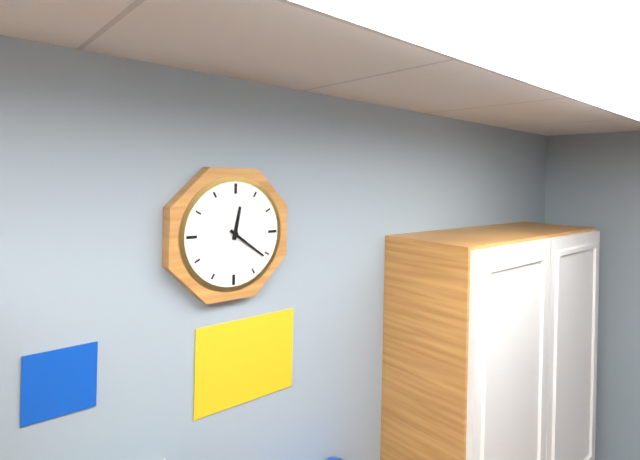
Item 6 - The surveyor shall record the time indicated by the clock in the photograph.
12:21
